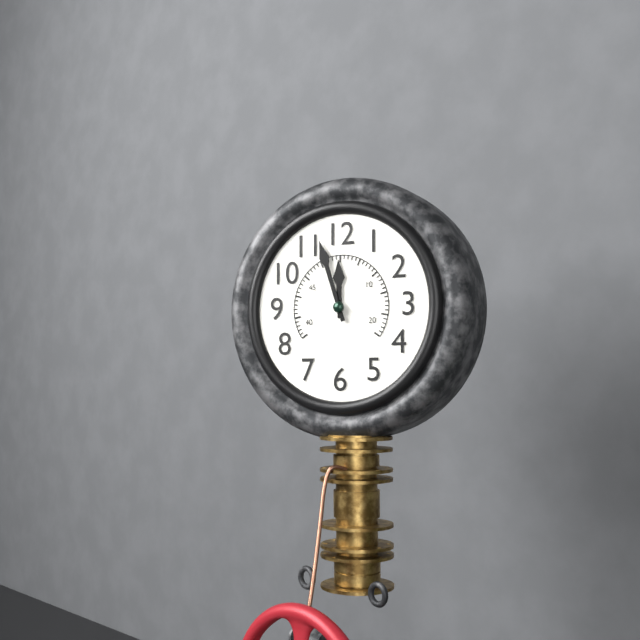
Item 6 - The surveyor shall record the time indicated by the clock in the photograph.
11:57
